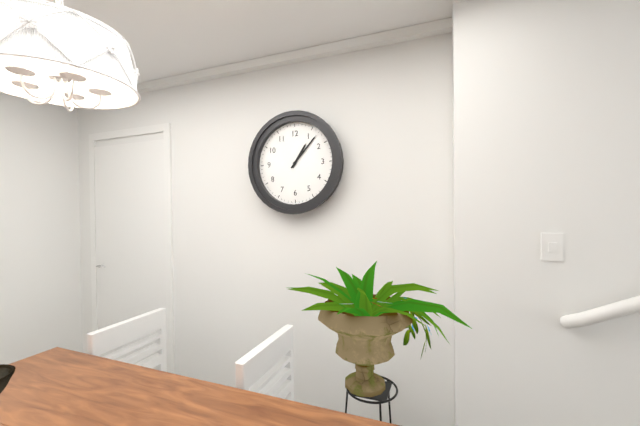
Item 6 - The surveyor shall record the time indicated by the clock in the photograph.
1:07
